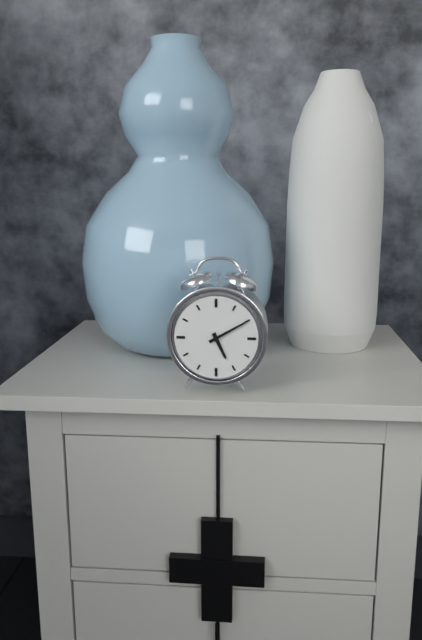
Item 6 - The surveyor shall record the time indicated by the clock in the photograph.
5:10
